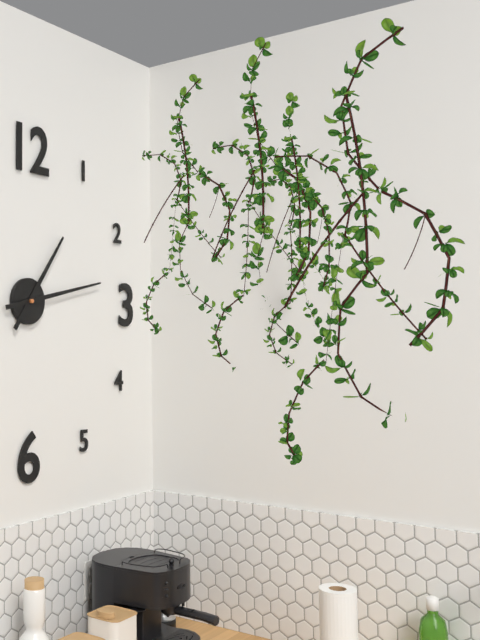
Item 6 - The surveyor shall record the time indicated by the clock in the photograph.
1:13
